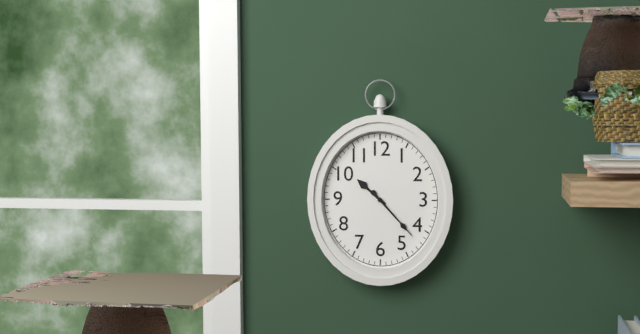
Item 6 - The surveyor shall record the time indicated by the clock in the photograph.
10:23
